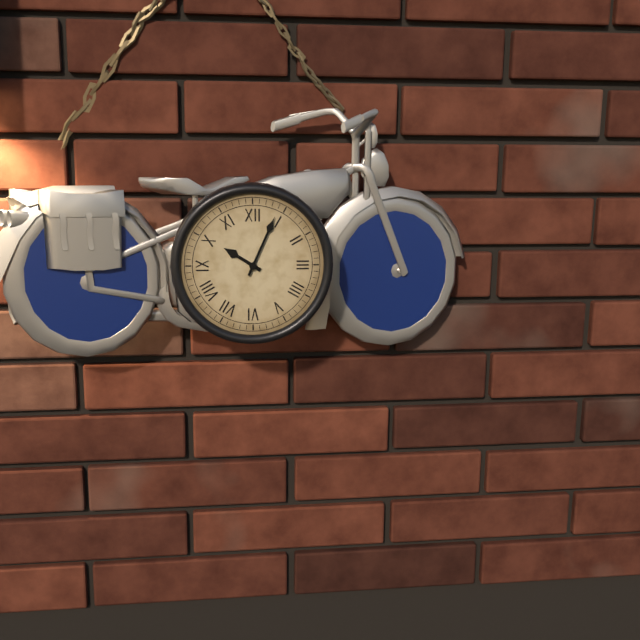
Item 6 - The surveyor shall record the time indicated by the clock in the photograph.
10:04
